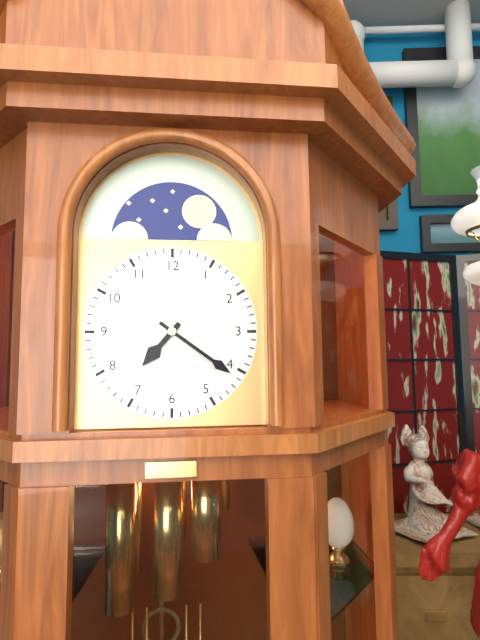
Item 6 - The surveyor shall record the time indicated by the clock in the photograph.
7:21
